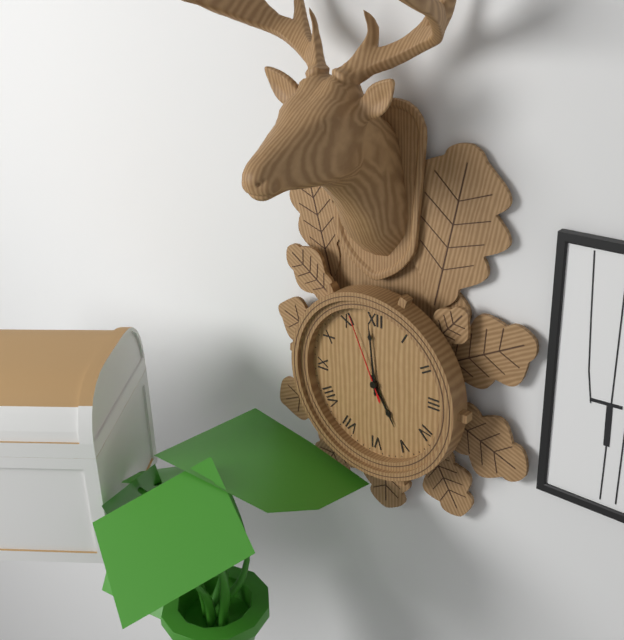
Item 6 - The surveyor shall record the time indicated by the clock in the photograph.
4:59:56
